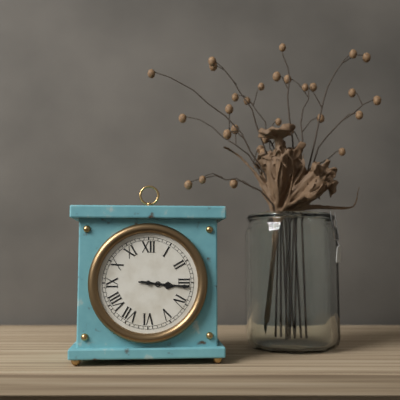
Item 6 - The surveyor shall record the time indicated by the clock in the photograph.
3:16
